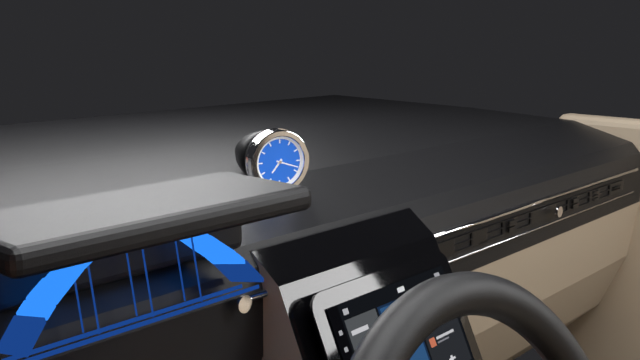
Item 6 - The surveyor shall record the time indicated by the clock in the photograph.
7:18
